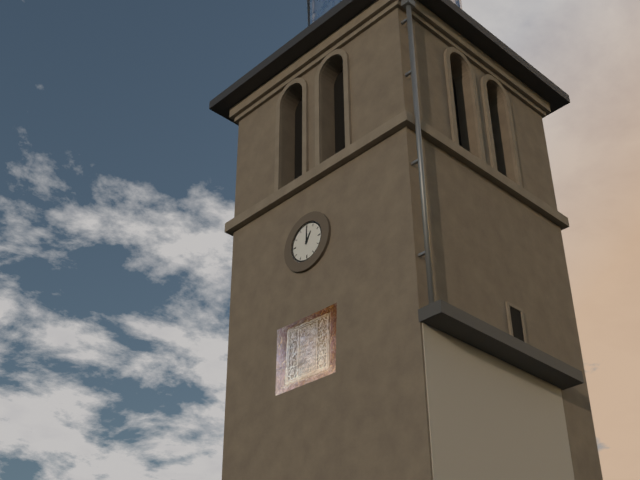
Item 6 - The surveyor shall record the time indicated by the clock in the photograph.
1:00
